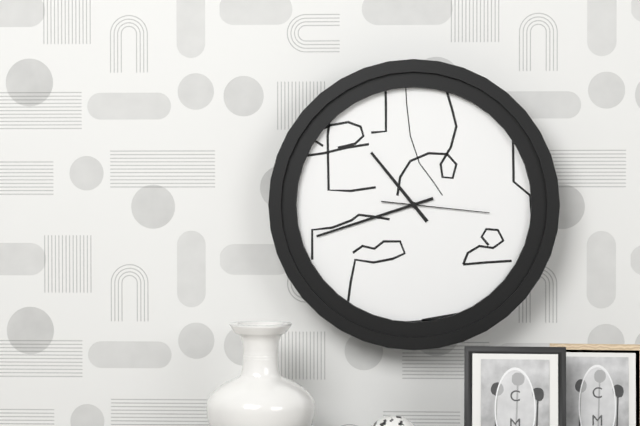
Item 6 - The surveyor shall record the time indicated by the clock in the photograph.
10:42:16
